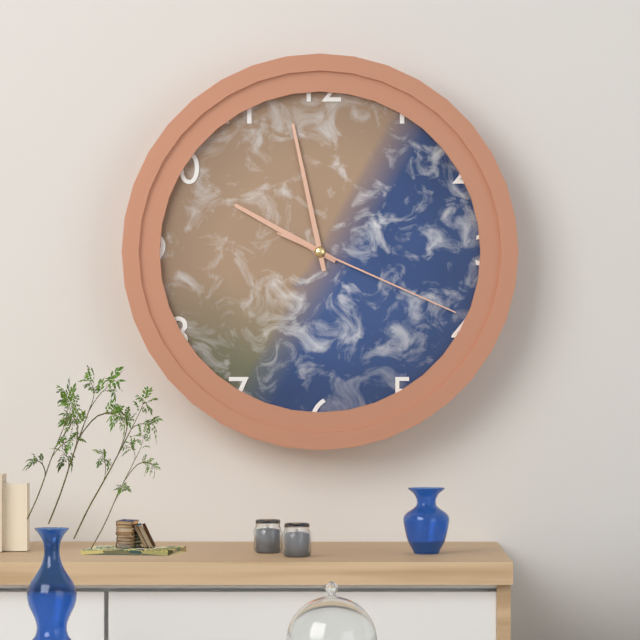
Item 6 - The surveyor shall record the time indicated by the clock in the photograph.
9:58:19
